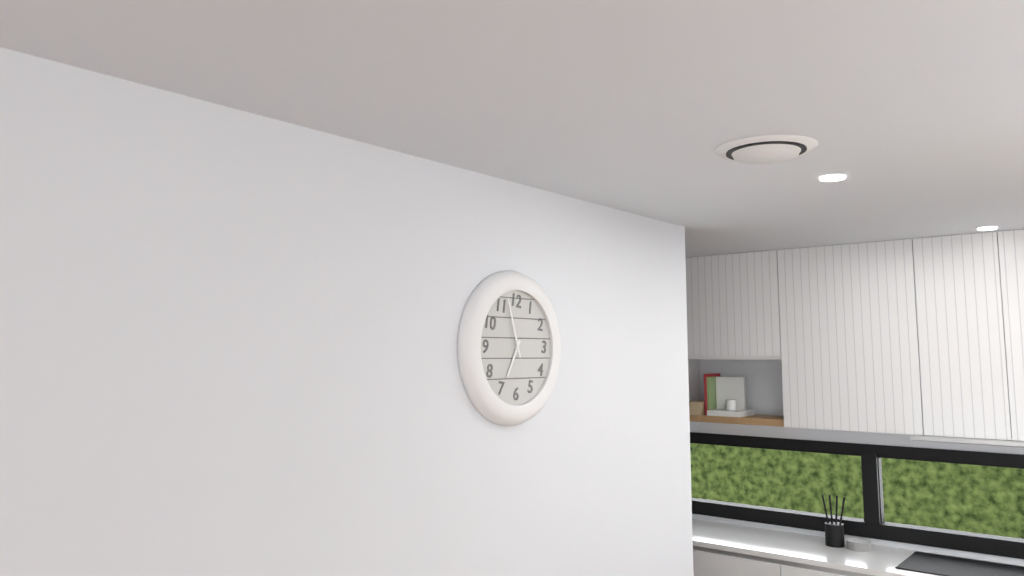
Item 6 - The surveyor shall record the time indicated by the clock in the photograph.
6:57
